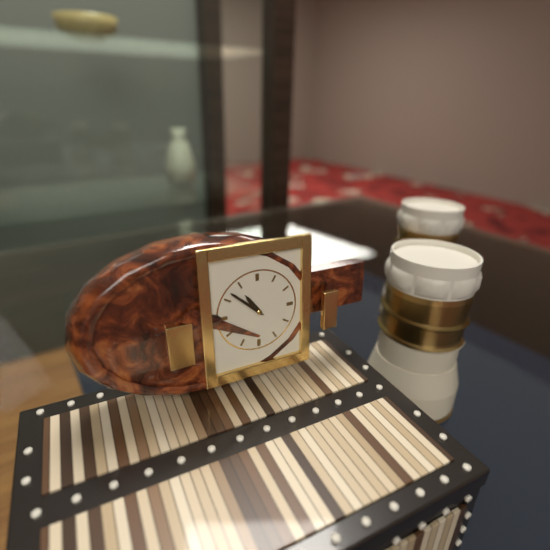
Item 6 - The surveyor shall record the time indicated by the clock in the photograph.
10:52
